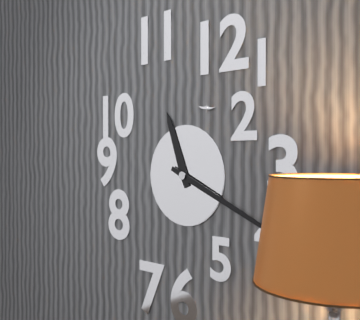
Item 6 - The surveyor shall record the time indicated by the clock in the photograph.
11:19
